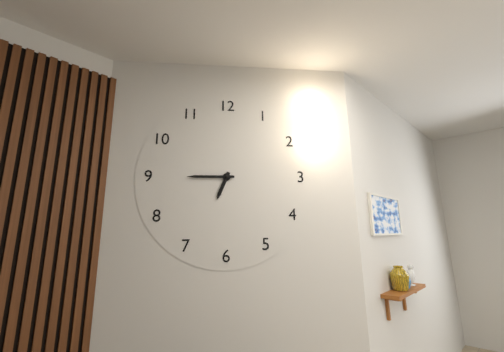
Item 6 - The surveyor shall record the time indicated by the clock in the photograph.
6:45
